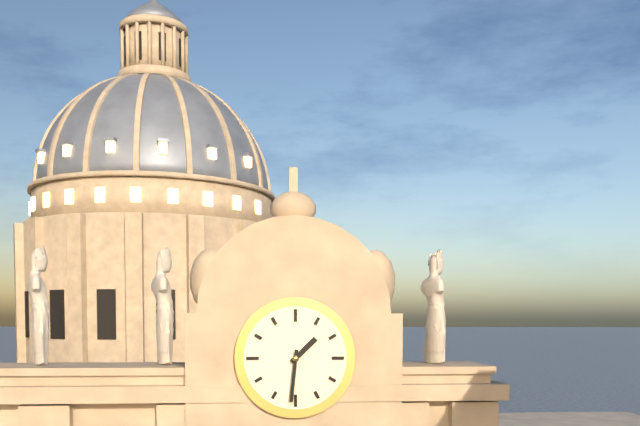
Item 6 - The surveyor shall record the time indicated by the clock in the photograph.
1:31
